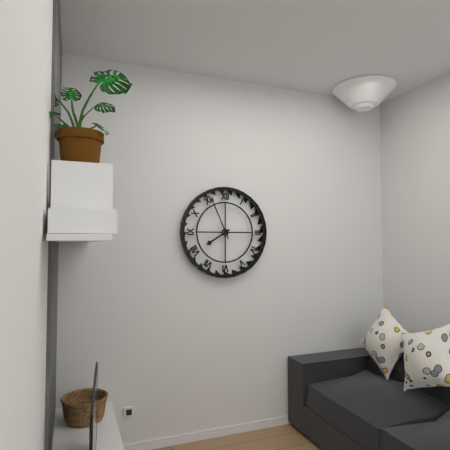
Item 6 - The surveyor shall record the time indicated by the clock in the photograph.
7:56
